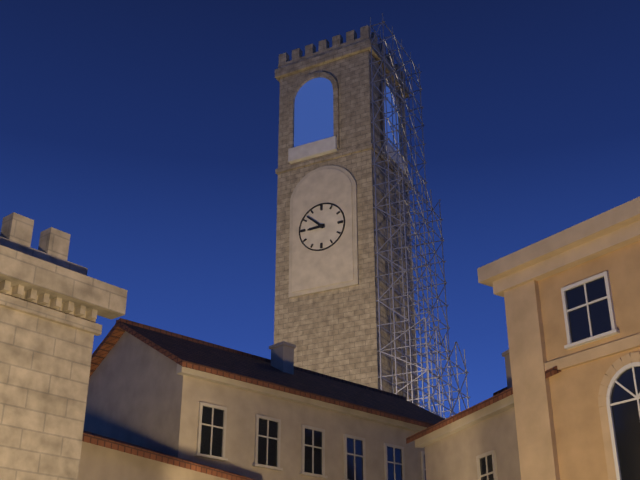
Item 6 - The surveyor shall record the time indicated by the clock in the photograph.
8:52
